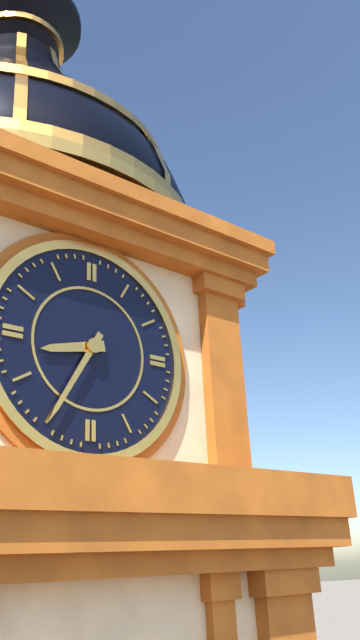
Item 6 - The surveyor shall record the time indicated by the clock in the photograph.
8:35
